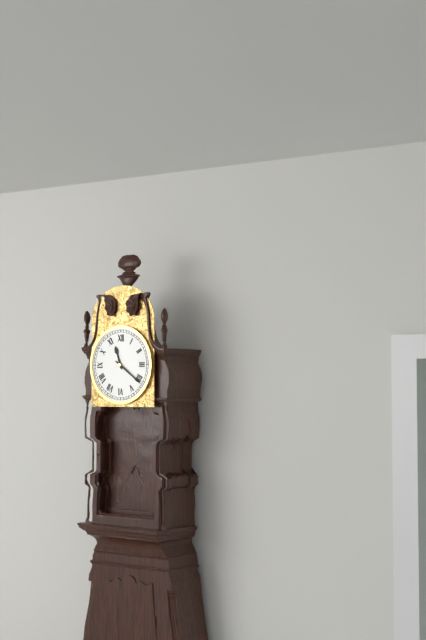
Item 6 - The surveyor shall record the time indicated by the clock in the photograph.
11:21
